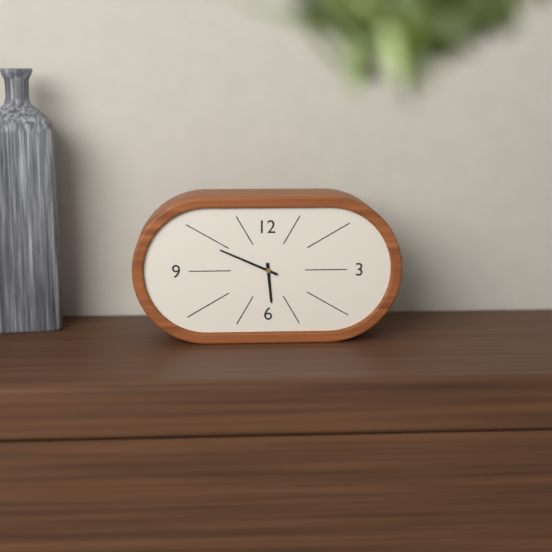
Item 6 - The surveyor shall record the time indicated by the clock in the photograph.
5:49
